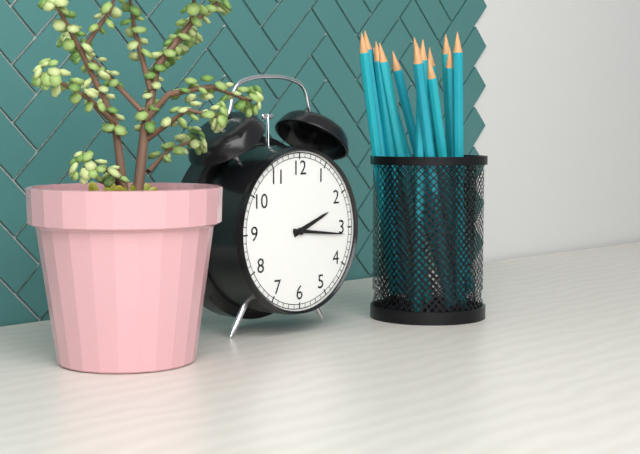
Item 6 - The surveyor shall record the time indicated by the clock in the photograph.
2:16
